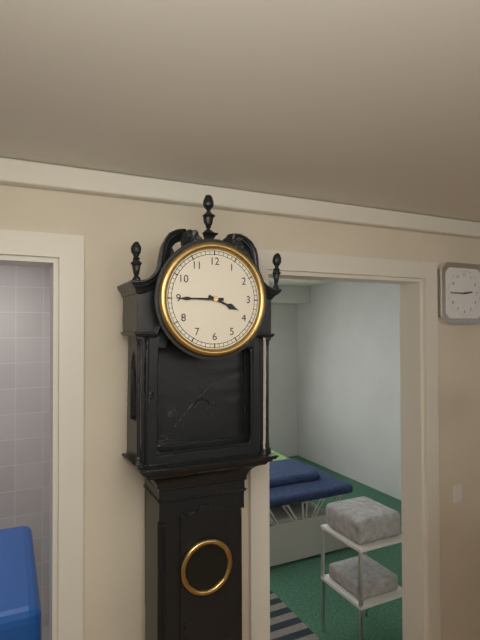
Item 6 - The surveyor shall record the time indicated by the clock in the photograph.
3:45
